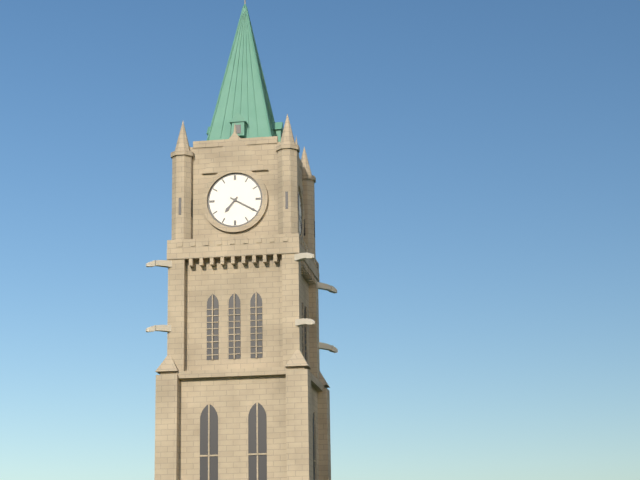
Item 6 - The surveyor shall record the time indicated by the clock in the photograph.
7:20
